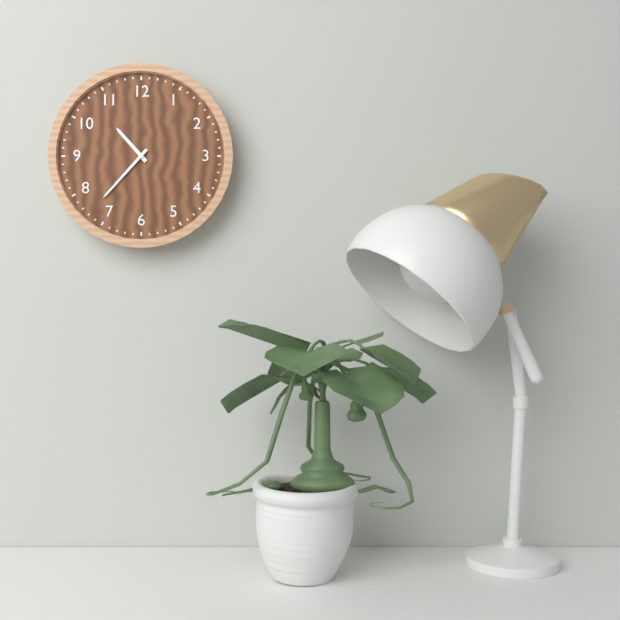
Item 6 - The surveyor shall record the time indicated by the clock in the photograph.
10:37
